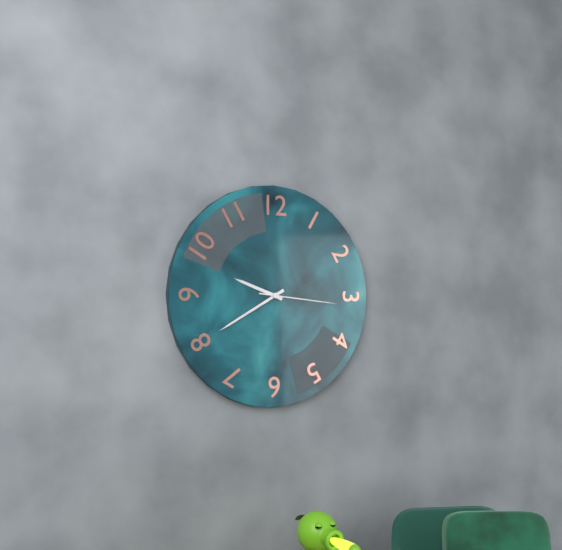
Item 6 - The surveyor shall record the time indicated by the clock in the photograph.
9:40:16
